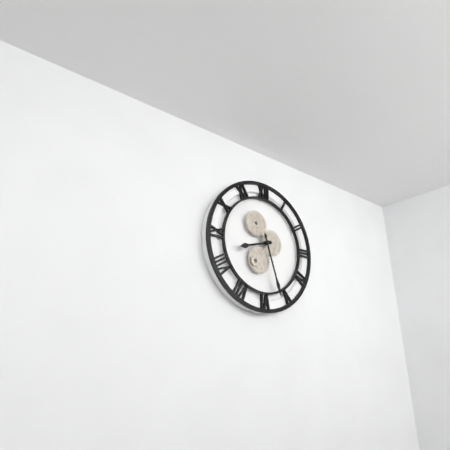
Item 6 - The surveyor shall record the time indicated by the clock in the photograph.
8:27
